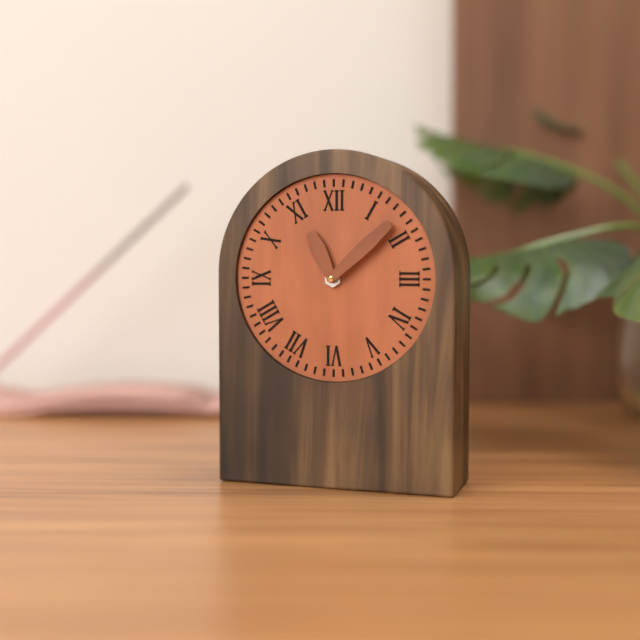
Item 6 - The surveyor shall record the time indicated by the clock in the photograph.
11:08
